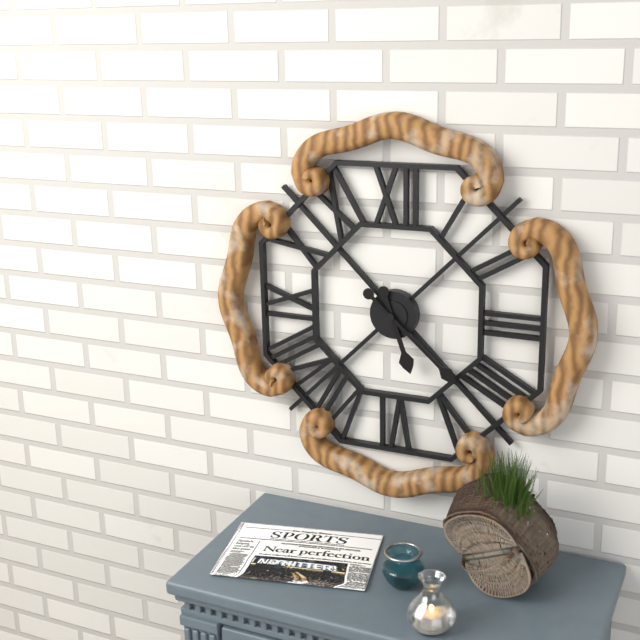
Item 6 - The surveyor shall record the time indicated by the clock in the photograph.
5:22
